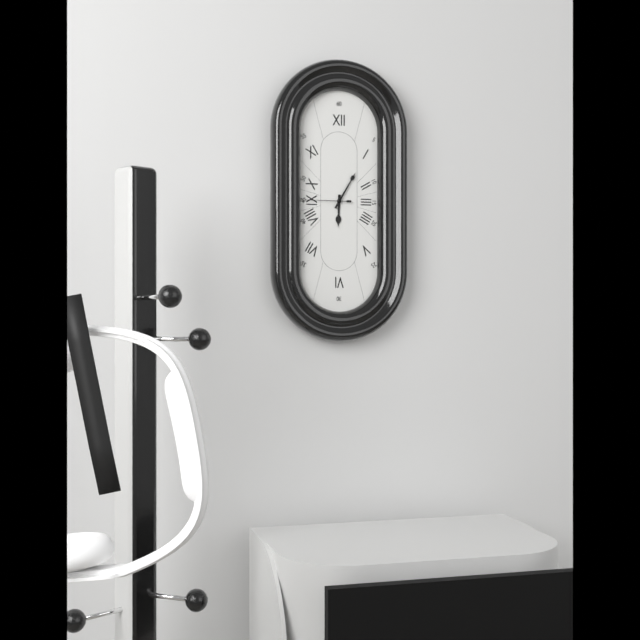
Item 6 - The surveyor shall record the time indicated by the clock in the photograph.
6:05
